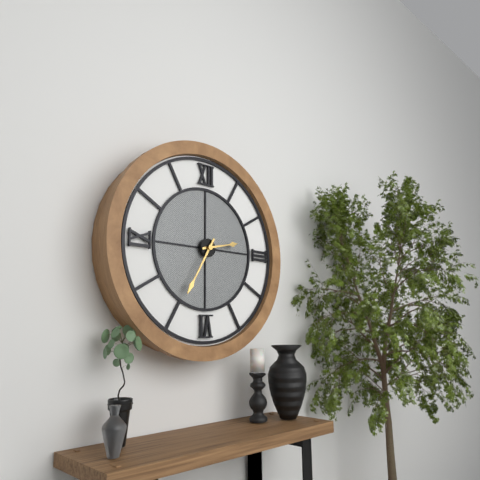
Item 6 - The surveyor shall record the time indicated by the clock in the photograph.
2:35
